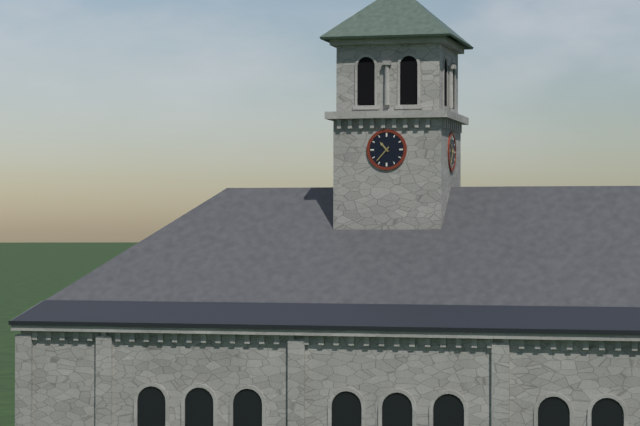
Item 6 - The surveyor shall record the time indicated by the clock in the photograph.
10:37
